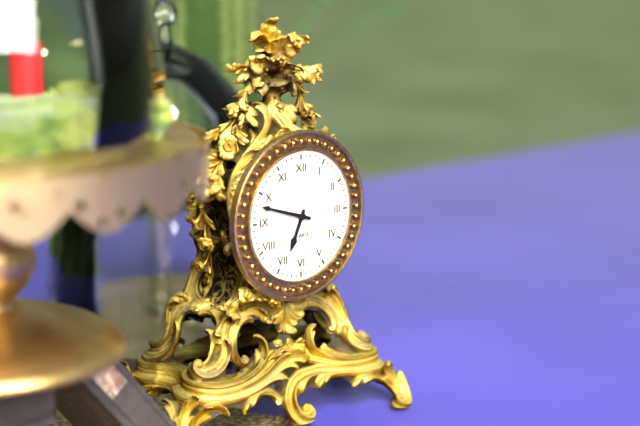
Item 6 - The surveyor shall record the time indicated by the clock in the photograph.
6:48
